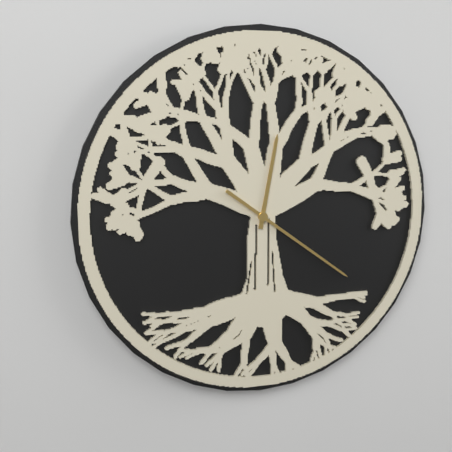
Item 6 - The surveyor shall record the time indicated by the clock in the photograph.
12:21
